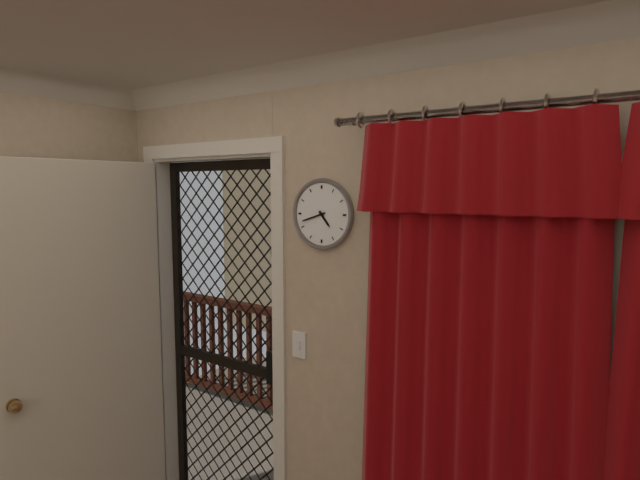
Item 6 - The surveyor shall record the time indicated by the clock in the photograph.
4:42
